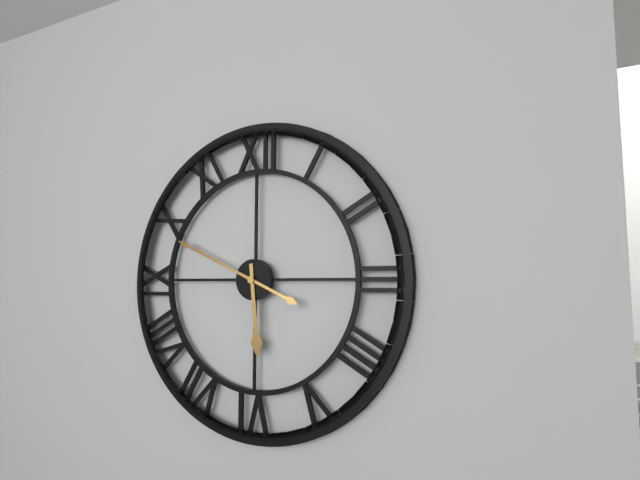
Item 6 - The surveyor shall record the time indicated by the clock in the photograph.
5:49
